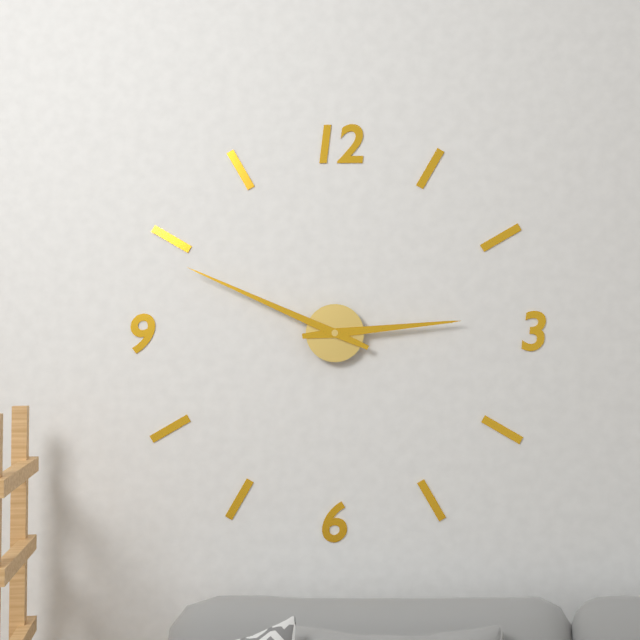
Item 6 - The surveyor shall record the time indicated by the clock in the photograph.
2:49
